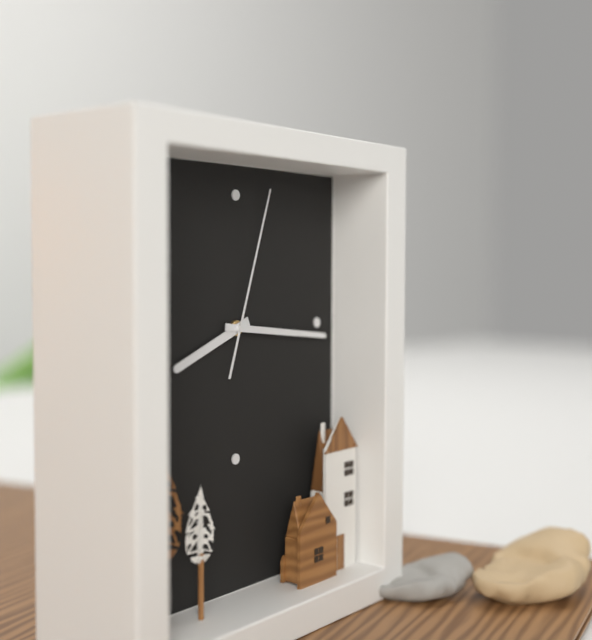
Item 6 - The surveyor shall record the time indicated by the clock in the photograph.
8:16:03
